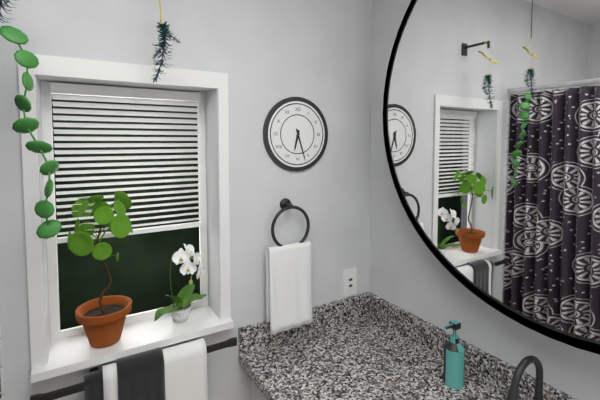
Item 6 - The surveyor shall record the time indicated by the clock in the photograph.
6:27
